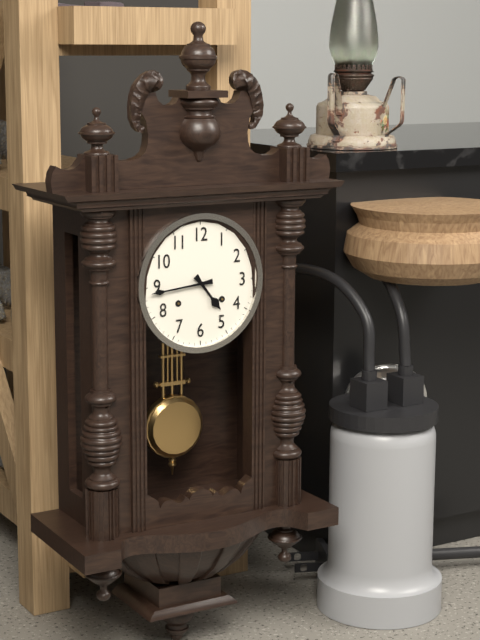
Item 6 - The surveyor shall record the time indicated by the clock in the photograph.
4:44
